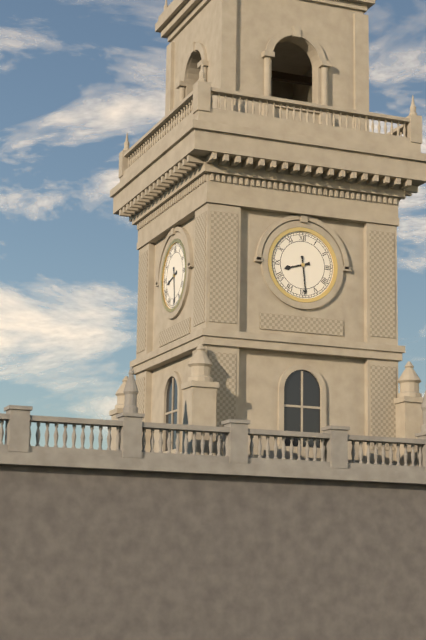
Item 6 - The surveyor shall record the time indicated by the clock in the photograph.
8:29
